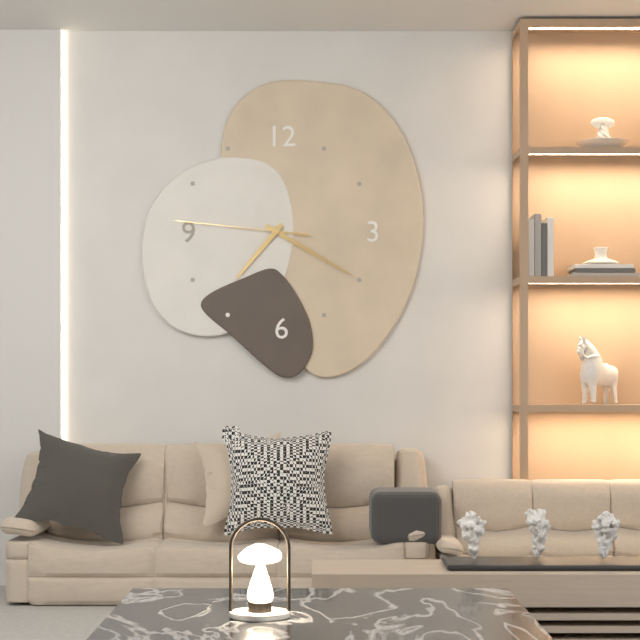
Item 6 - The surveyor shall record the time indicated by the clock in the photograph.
7:20:46
